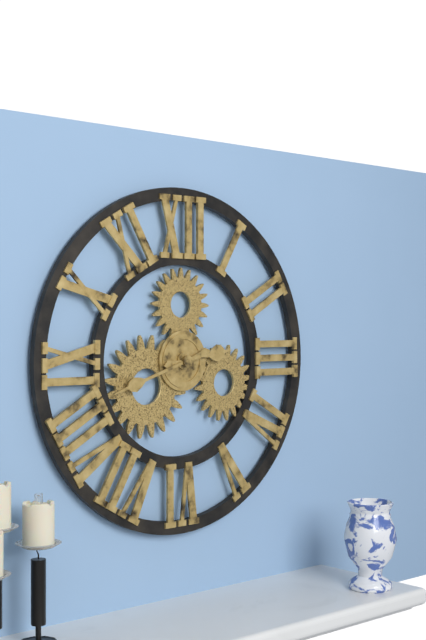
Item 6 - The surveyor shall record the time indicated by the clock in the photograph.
2:42
